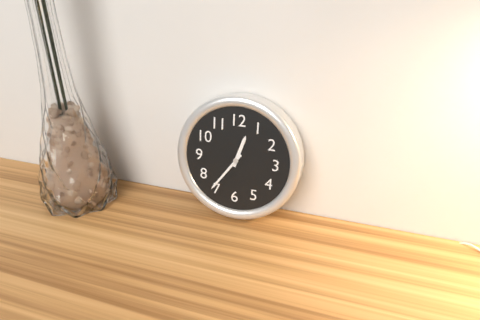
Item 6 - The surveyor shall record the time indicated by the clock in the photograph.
12:36
